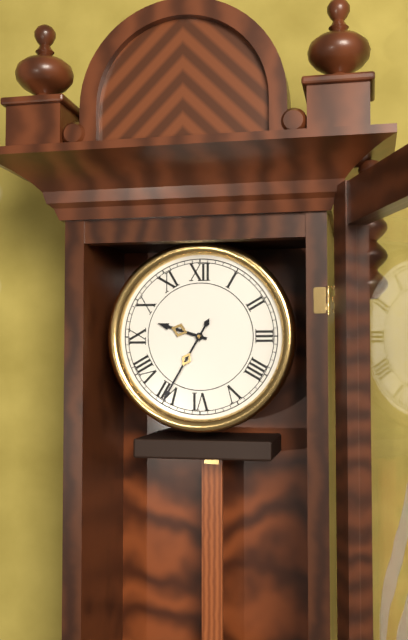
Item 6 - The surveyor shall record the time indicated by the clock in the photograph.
9:35
